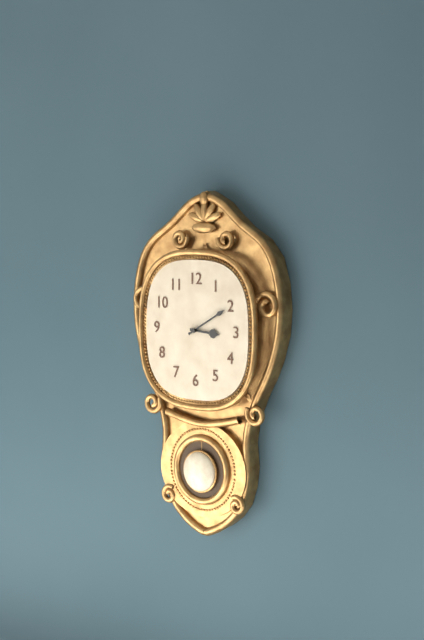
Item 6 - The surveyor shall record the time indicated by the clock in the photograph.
3:10
